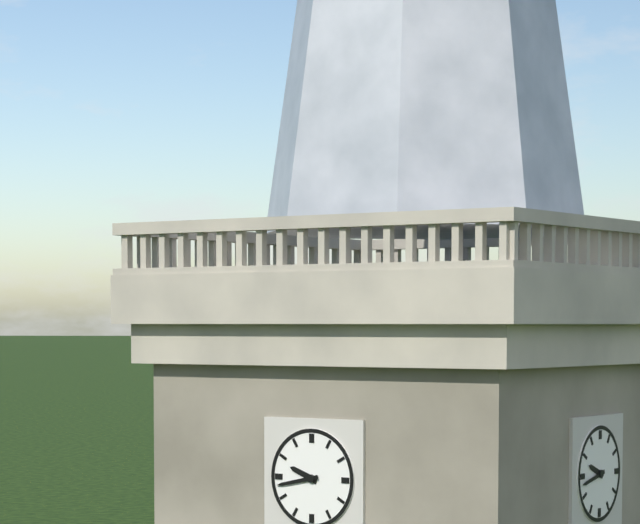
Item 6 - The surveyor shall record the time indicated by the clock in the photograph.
9:43
